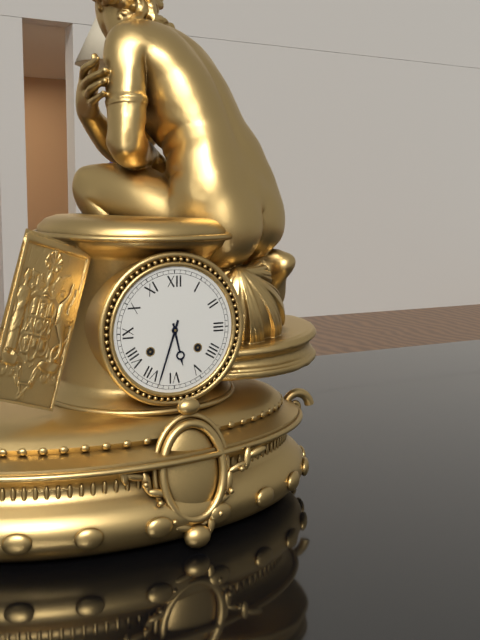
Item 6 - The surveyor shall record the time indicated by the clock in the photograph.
5:33
